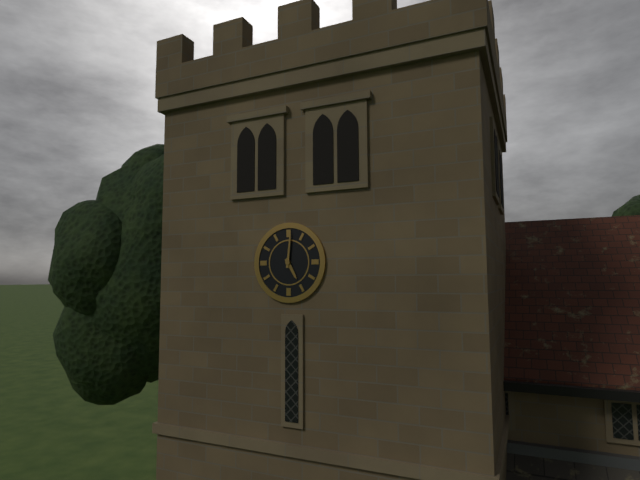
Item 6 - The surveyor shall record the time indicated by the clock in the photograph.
5:01
